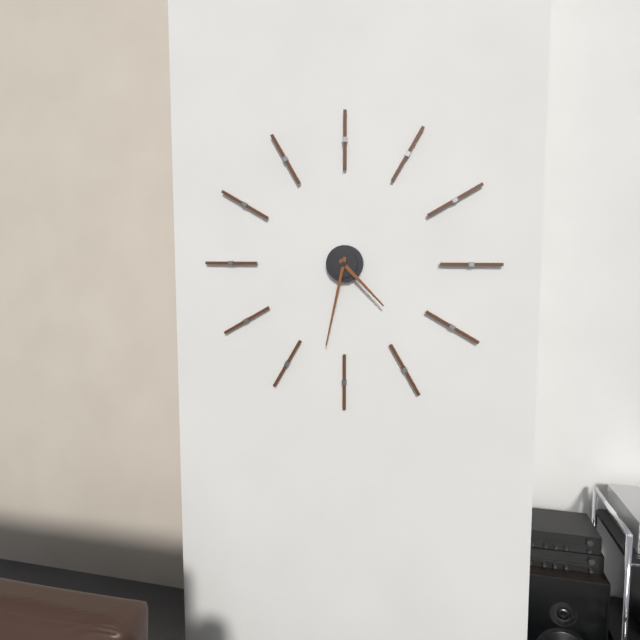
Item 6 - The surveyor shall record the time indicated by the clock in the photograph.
4:32
